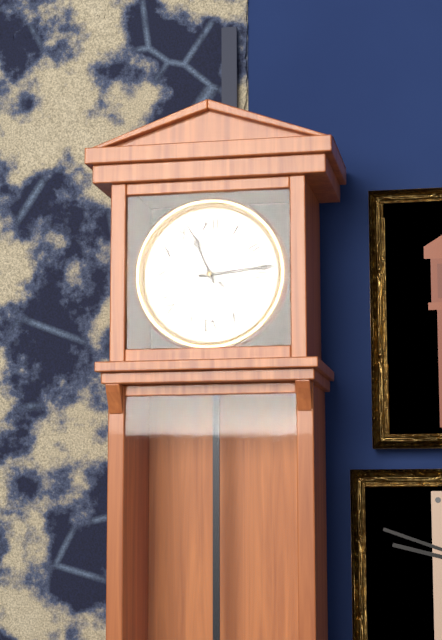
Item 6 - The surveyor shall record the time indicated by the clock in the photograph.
11:14:52
